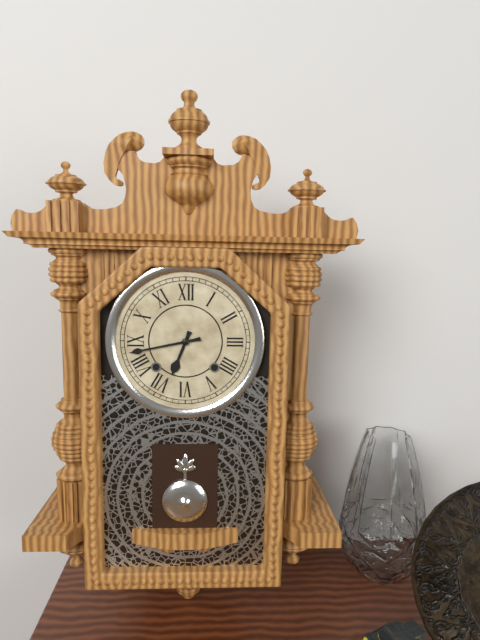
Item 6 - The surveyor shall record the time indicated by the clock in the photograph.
6:43
